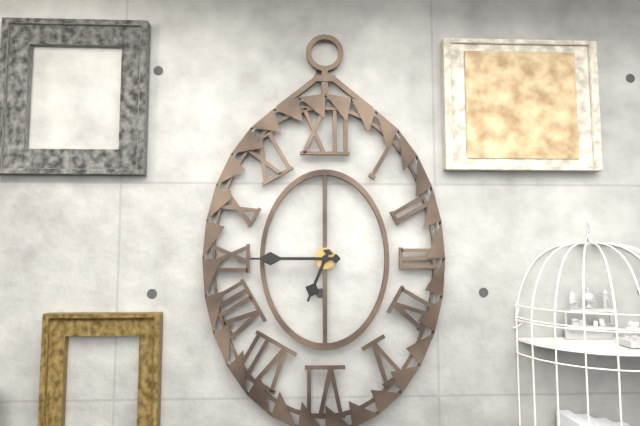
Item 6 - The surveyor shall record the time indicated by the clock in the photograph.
6:45
